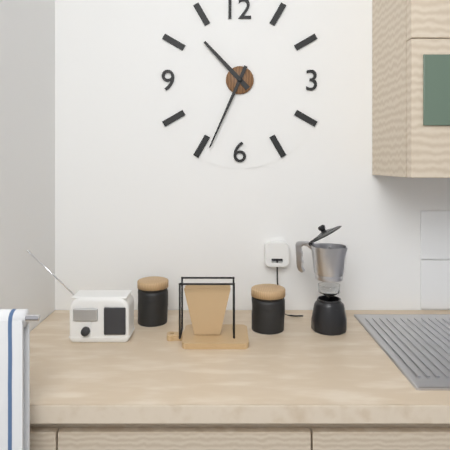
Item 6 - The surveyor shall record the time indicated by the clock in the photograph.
10:34
